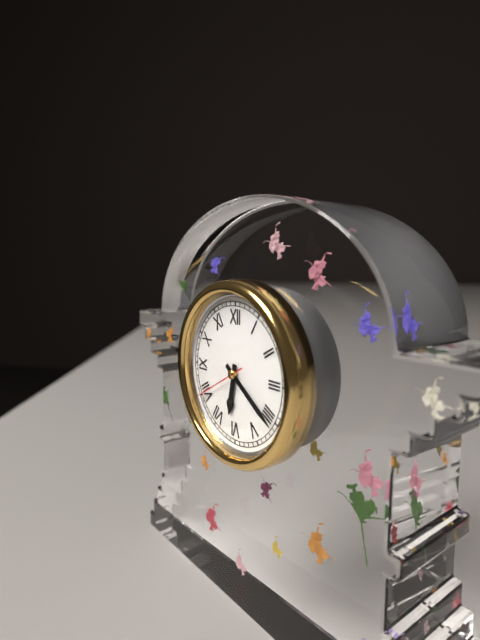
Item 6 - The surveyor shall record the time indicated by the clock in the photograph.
6:21
